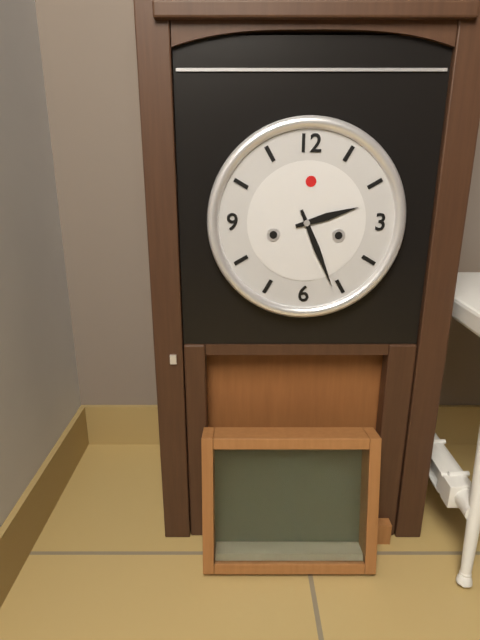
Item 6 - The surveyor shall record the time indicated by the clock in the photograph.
2:26
